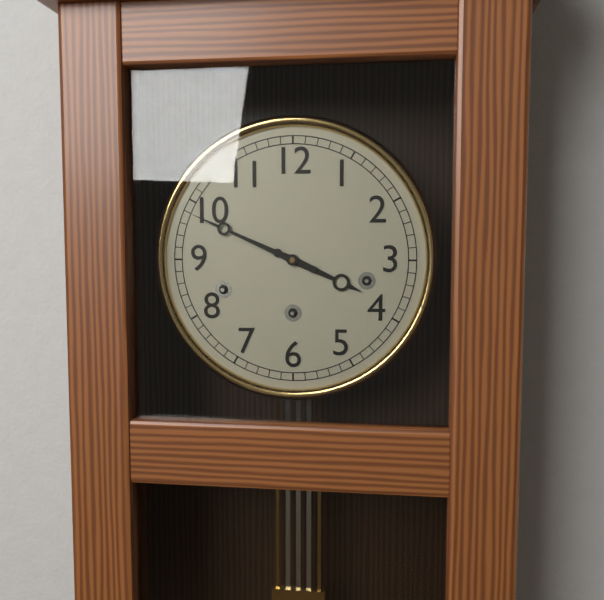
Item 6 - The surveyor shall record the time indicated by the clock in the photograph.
3:49
